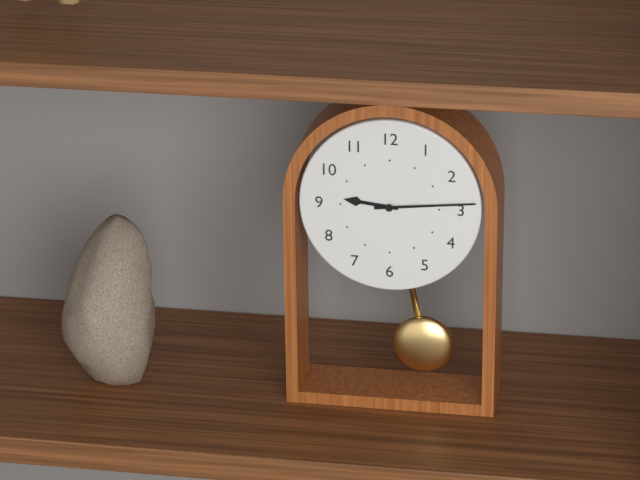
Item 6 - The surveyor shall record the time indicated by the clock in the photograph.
9:14
